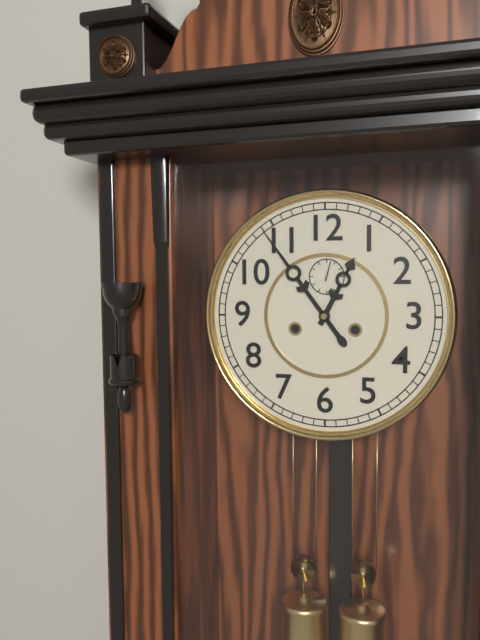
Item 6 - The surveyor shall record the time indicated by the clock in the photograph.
12:54
